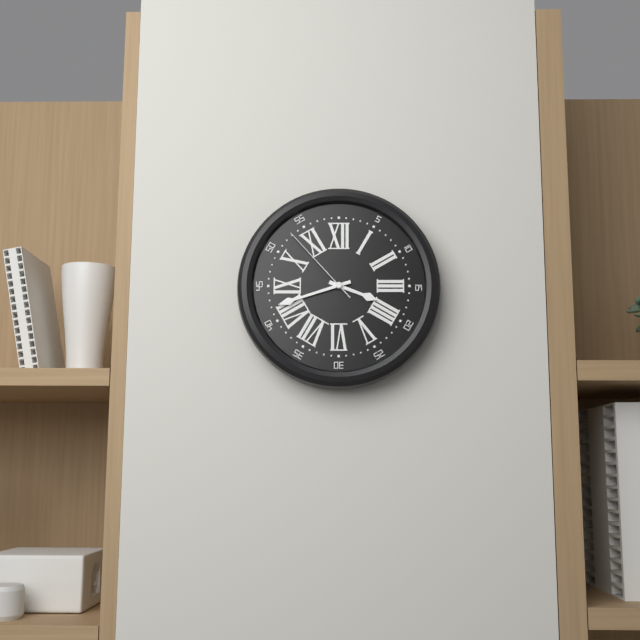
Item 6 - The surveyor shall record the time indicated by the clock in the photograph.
3:42:53
